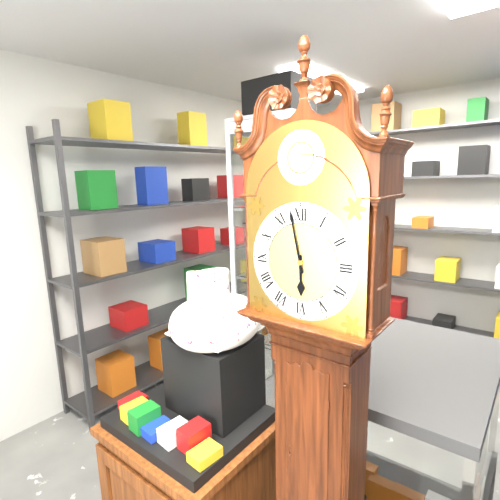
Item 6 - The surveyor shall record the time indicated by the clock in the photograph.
5:58
